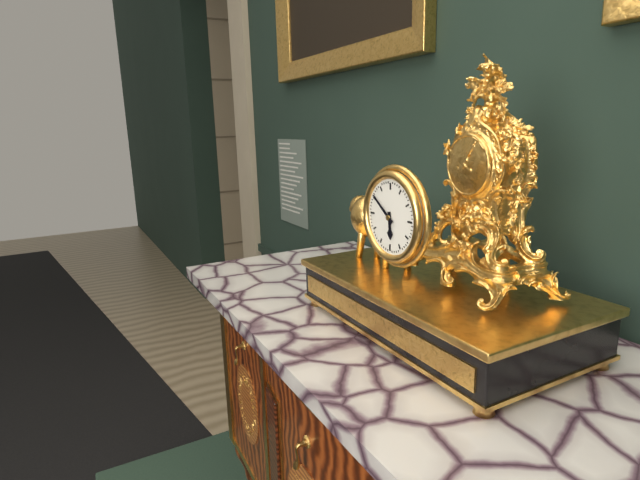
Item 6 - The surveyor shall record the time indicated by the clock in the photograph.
5:51
